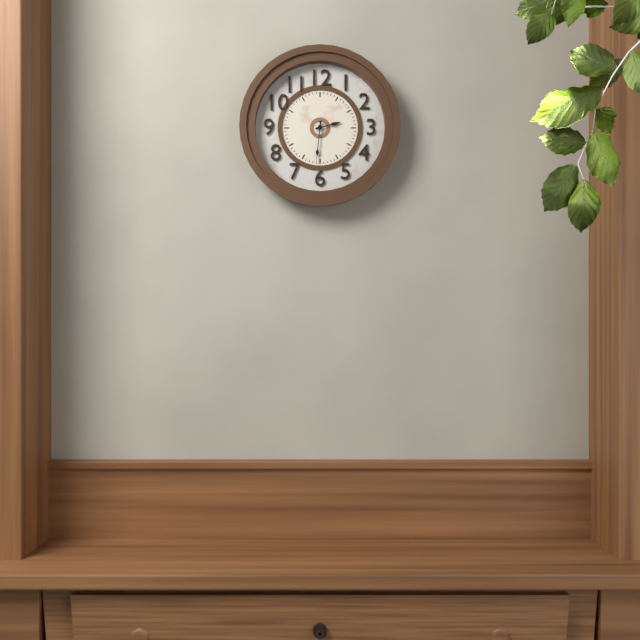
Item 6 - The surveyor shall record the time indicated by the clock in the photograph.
2:31
